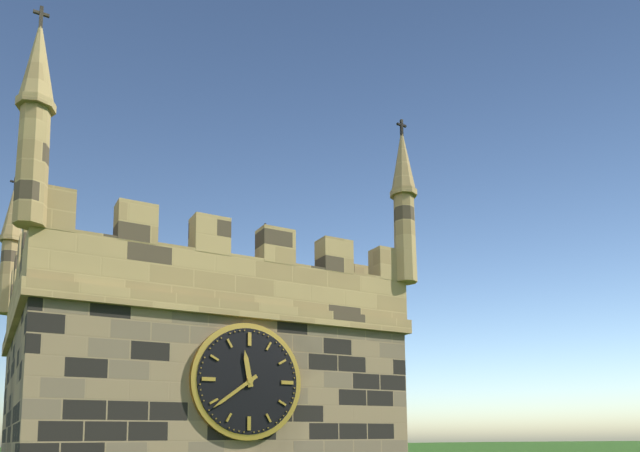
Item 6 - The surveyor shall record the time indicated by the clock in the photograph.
11:39
